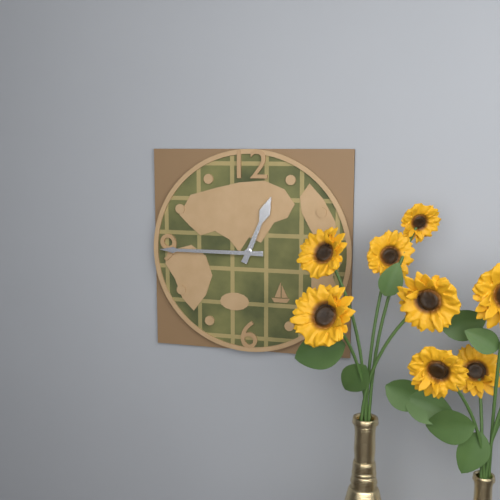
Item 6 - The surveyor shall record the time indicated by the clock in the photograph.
12:45
